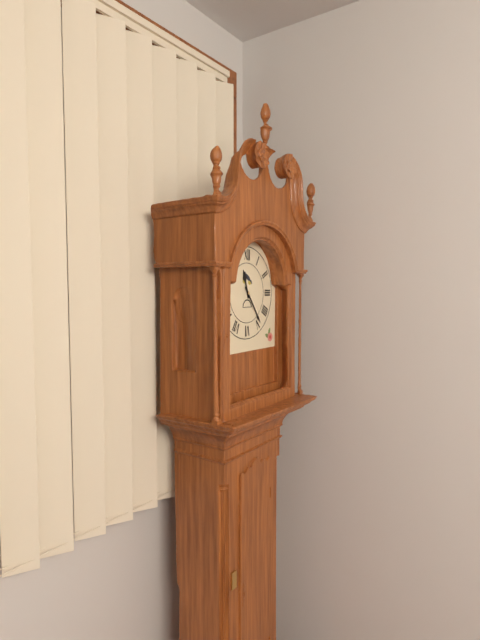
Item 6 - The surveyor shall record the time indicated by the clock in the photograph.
11:24
